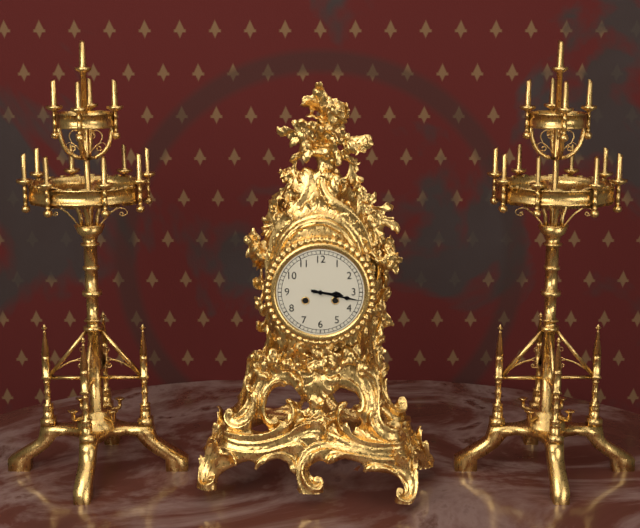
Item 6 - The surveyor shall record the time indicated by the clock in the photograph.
3:17
